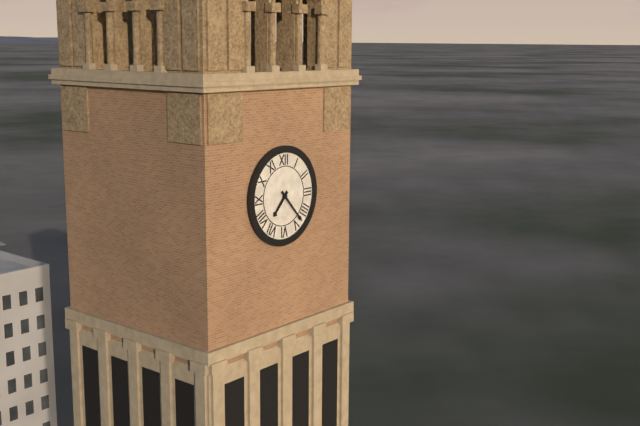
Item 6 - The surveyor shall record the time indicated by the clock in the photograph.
7:23
